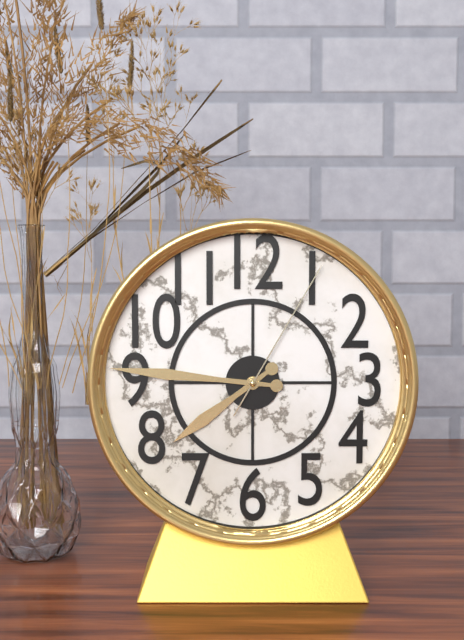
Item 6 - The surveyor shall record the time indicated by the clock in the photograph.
7:46:05
